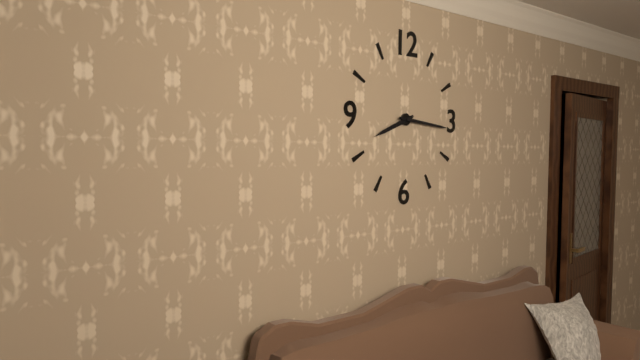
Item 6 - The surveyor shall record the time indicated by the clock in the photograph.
8:16
